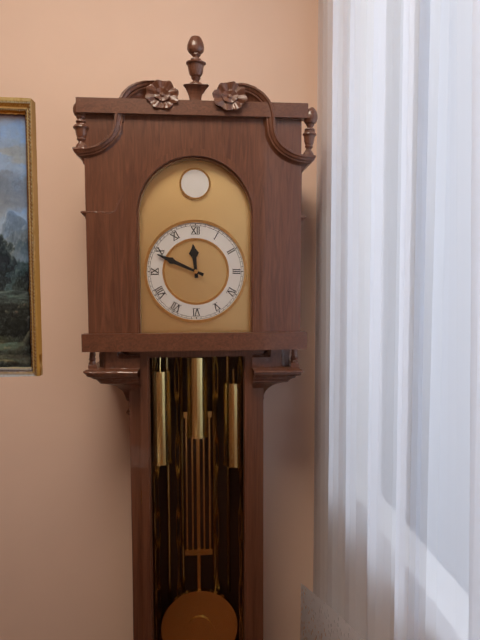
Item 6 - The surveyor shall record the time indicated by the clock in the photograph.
11:49
